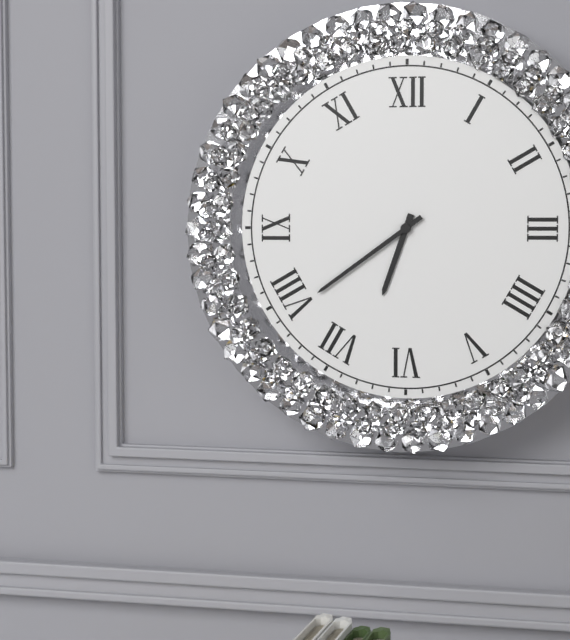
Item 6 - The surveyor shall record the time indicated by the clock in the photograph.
6:39
